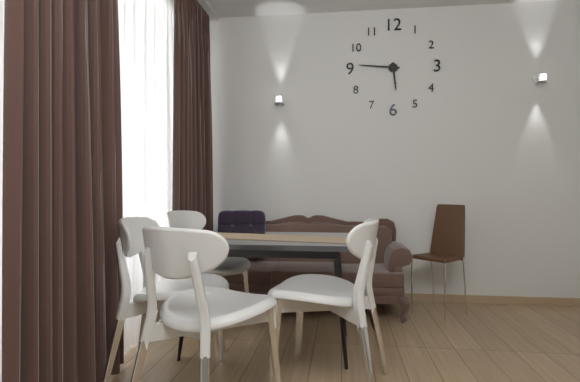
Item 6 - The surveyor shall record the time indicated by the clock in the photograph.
5:46
